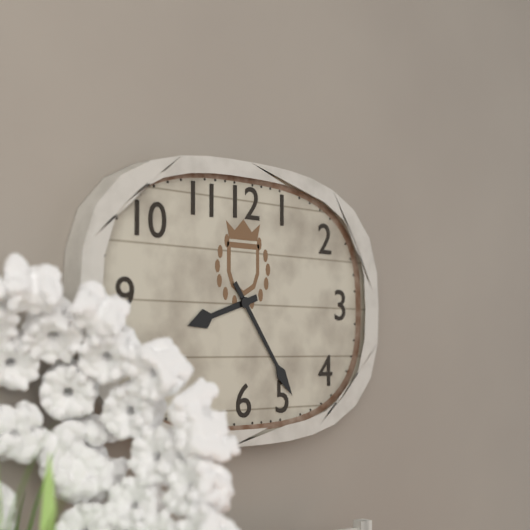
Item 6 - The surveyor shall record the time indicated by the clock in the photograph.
8:24
